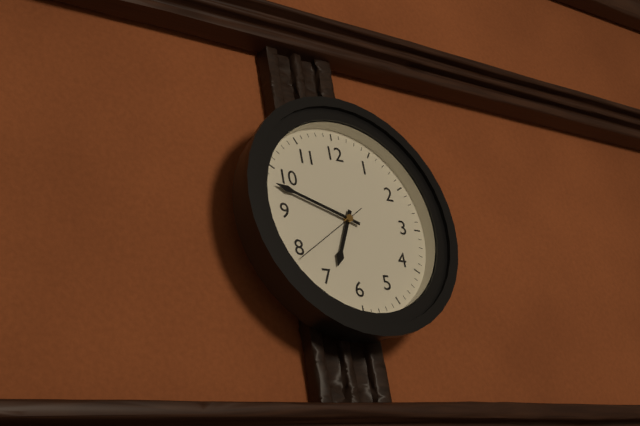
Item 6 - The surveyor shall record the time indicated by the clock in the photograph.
6:48:39
